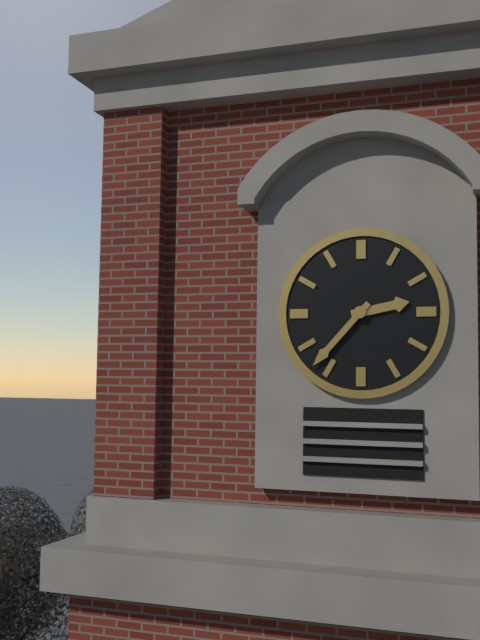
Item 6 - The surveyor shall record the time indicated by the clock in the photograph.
2:37
